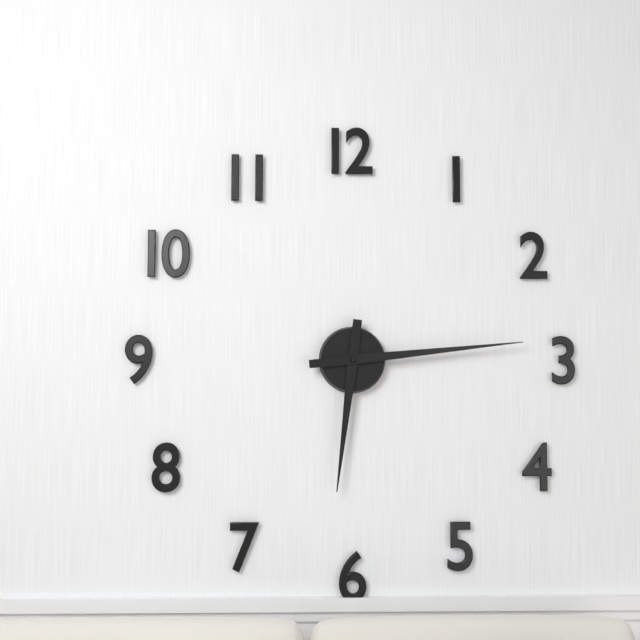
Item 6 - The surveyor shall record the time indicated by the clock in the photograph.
6:14
